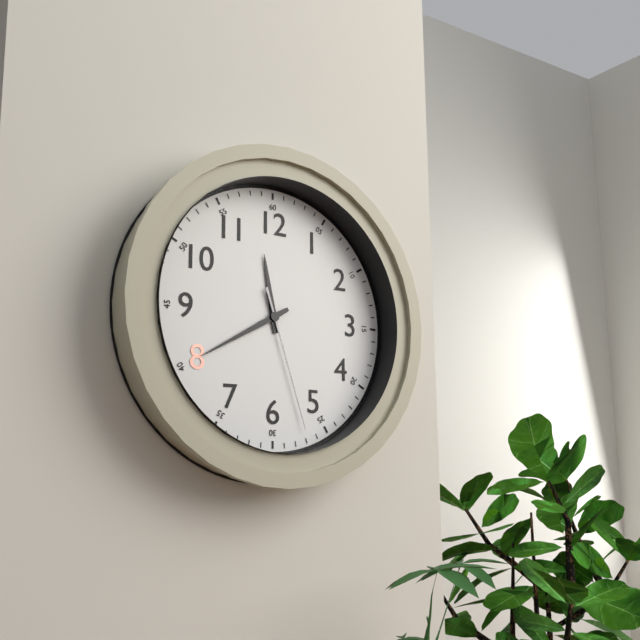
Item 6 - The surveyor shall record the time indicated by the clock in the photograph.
11:40:27
